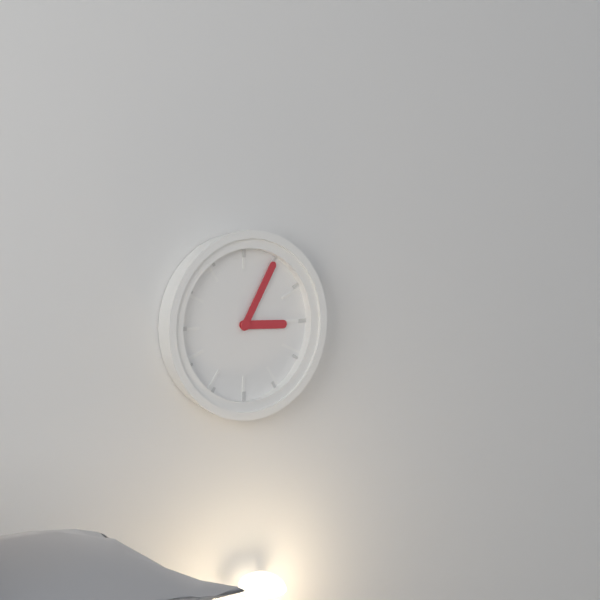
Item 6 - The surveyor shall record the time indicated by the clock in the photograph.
3:05
